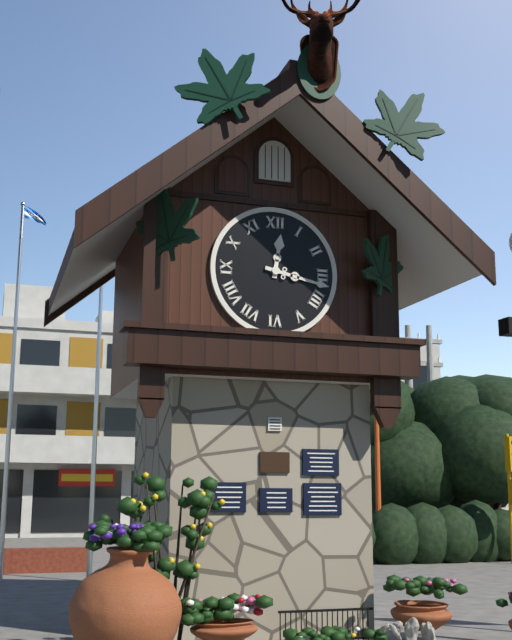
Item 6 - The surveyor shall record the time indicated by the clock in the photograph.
12:17
